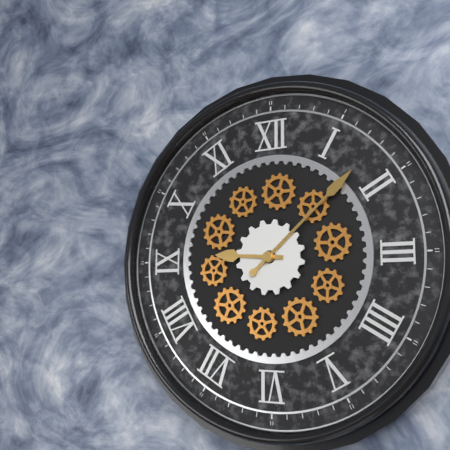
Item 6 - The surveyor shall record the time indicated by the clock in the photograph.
9:08
